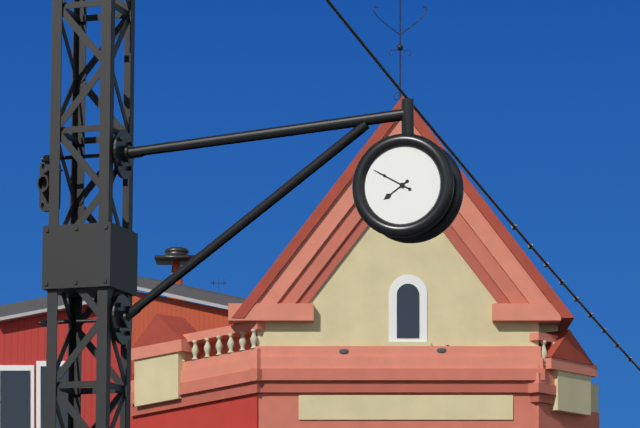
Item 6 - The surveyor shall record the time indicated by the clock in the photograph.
7:50
